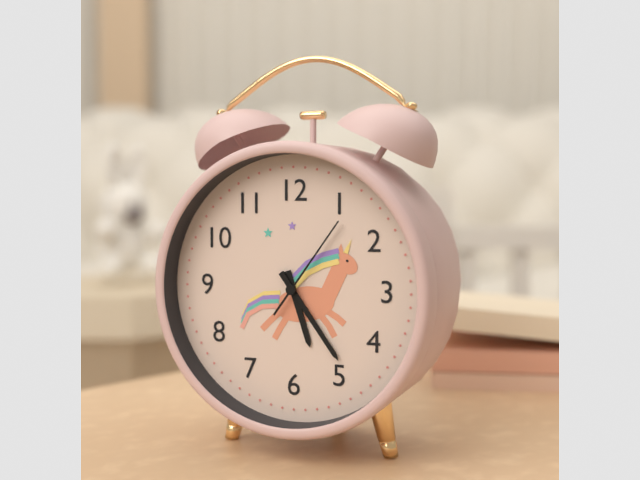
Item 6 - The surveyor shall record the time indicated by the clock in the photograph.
5:24:06
